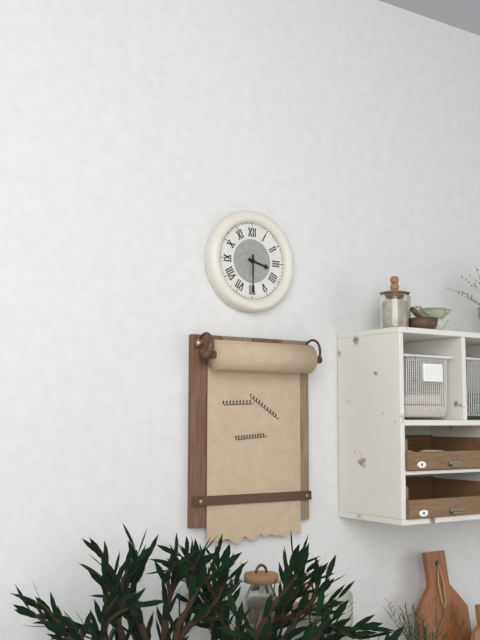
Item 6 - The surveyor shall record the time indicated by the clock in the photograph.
3:30
